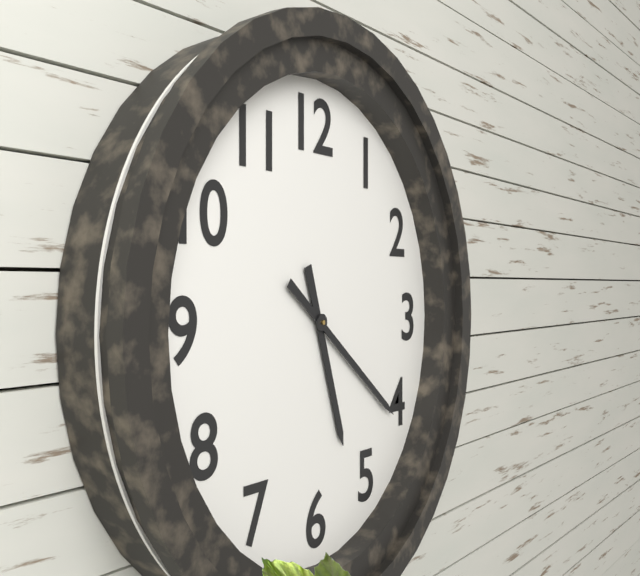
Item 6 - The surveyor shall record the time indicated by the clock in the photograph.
5:21
